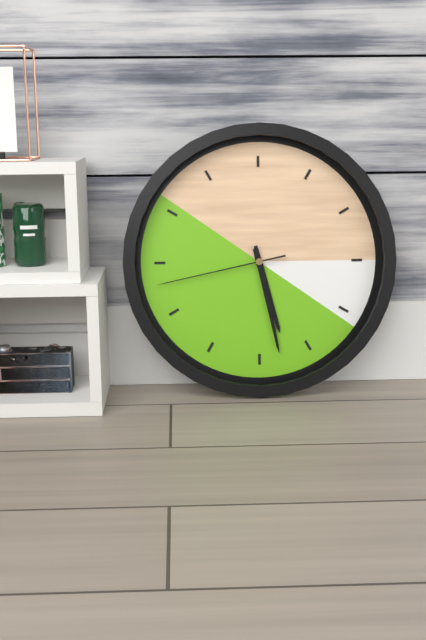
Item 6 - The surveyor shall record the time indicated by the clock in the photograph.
5:28:43
